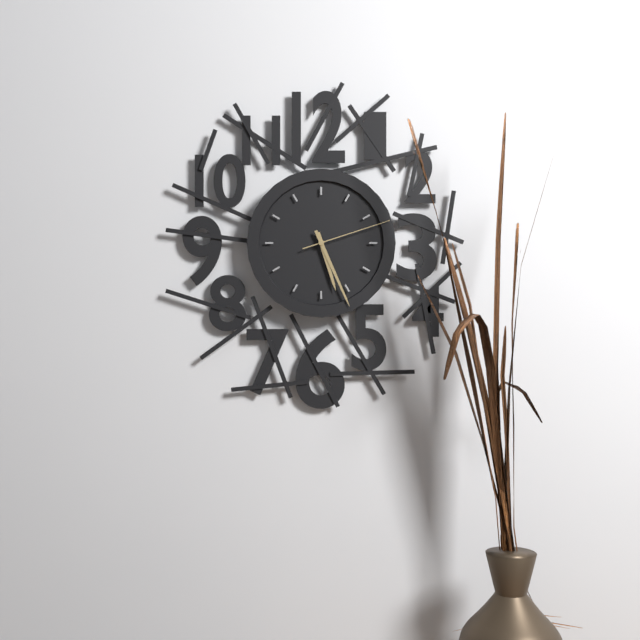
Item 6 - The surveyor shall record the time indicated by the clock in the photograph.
5:26:12
